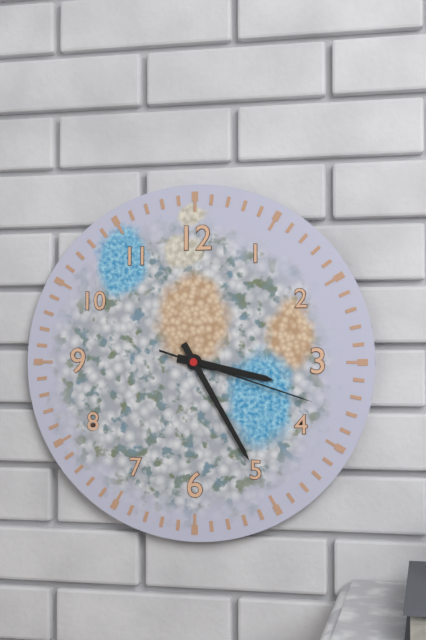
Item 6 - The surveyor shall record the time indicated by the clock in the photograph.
3:25:18
